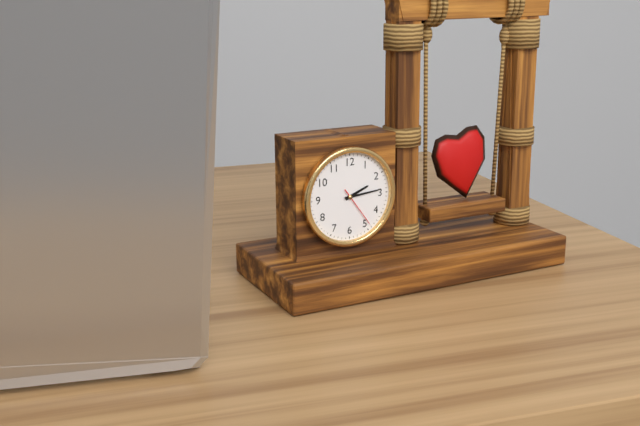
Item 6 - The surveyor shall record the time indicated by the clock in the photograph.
2:14
